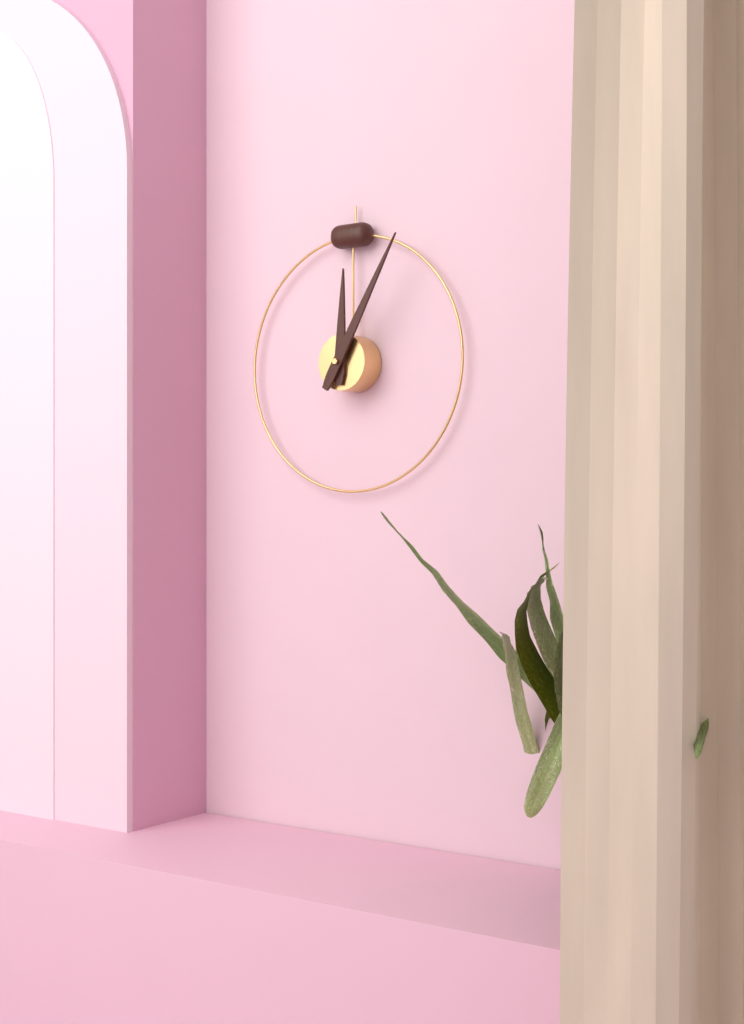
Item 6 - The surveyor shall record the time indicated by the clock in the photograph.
12:05
